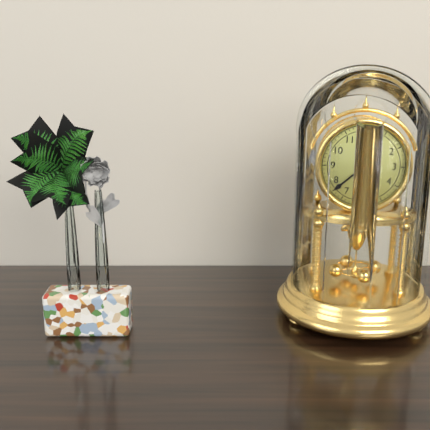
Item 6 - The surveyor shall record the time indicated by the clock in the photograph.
11:38
